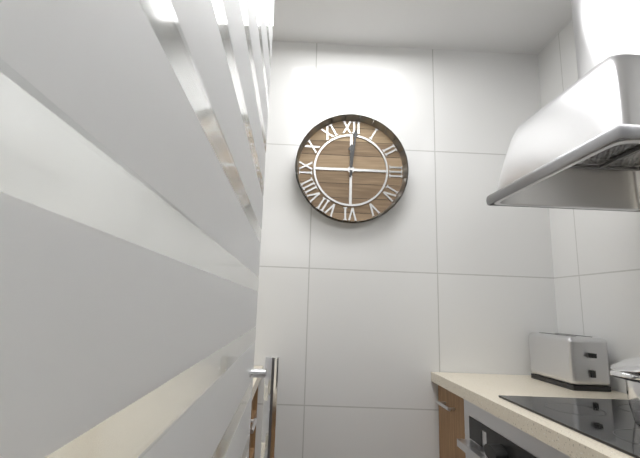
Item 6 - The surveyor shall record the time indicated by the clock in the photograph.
12:01
